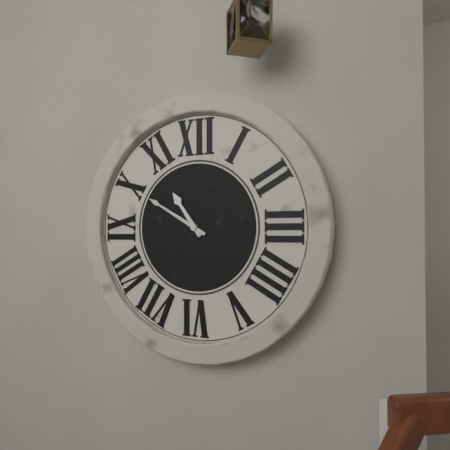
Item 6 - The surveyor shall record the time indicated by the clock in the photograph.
10:50
